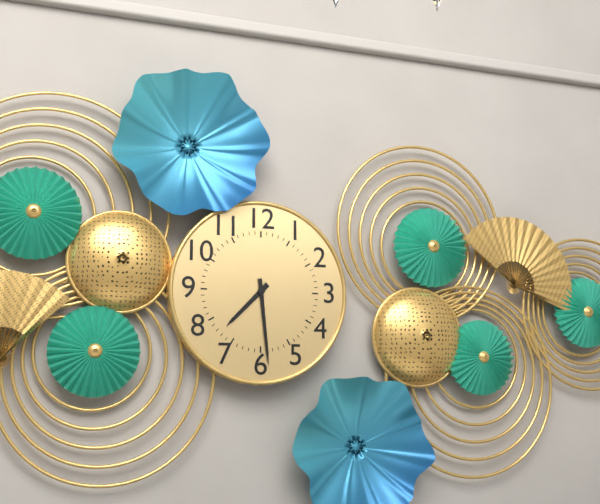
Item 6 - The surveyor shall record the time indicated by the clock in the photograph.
7:29
